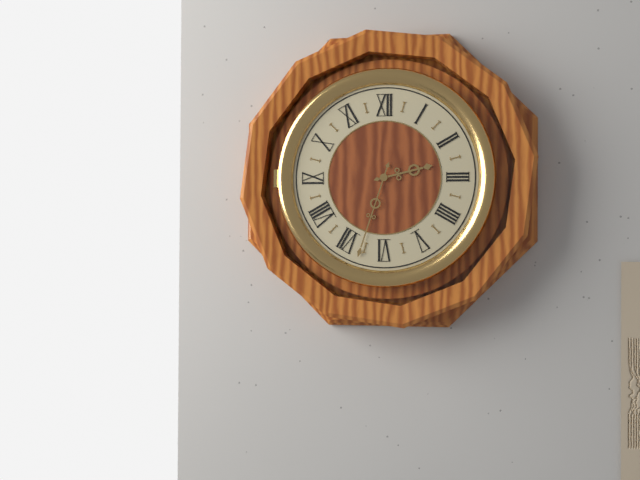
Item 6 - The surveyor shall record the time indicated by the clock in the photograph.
2:33
